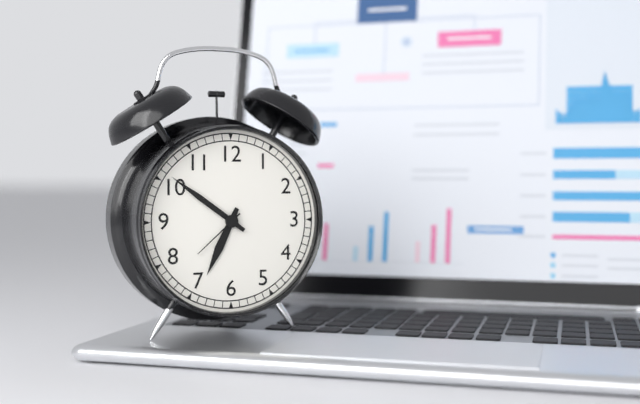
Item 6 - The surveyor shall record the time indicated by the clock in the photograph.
6:51:38
